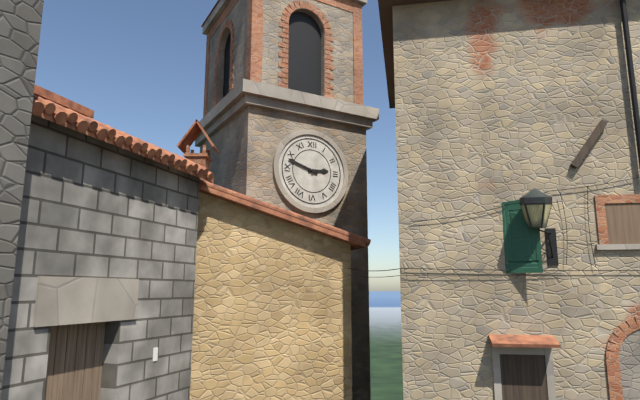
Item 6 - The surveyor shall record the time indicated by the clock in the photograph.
2:48
